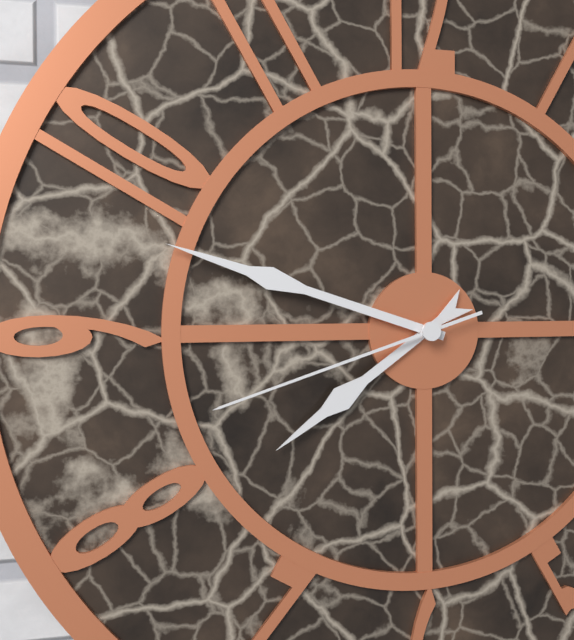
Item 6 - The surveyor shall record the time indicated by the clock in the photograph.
7:48:42
